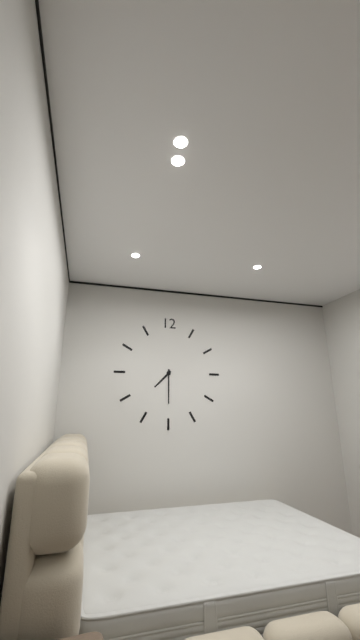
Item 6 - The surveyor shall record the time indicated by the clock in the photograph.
7:30
